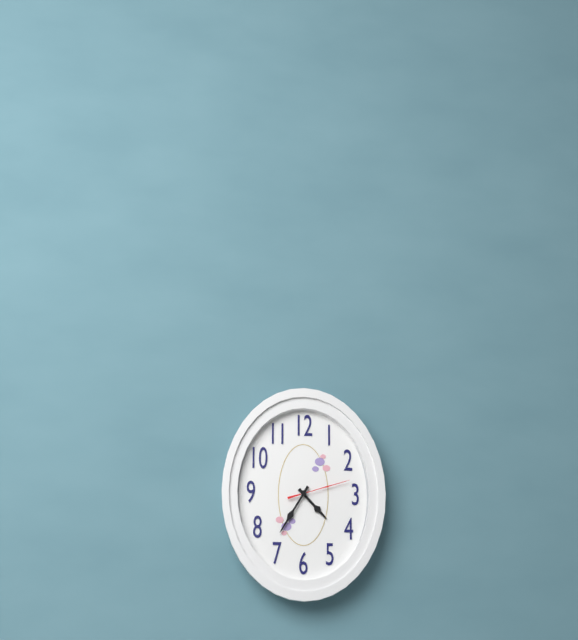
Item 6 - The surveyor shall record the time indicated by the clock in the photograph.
4:35:12
